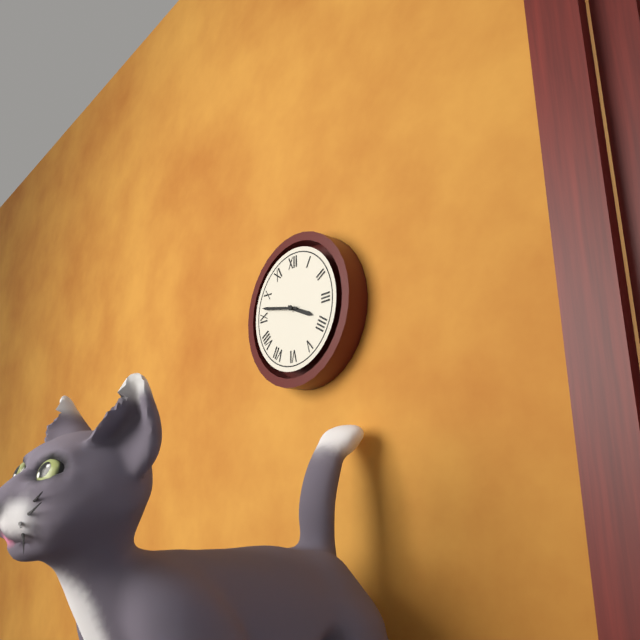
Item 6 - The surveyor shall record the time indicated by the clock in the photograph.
3:47
